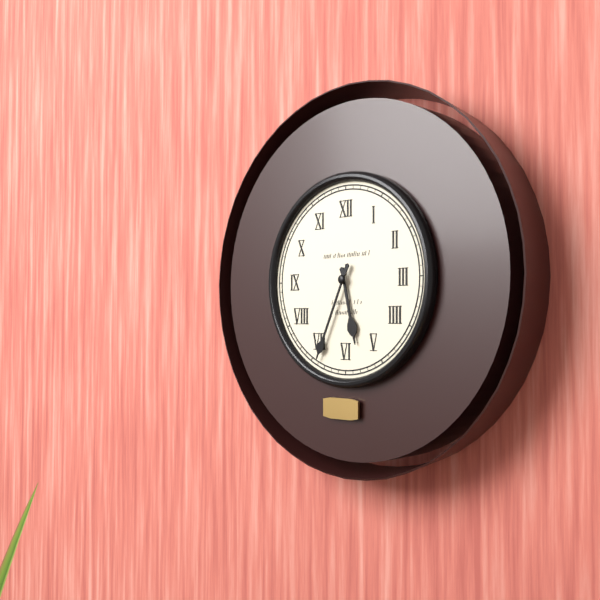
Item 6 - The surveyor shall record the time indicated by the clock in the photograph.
5:34
